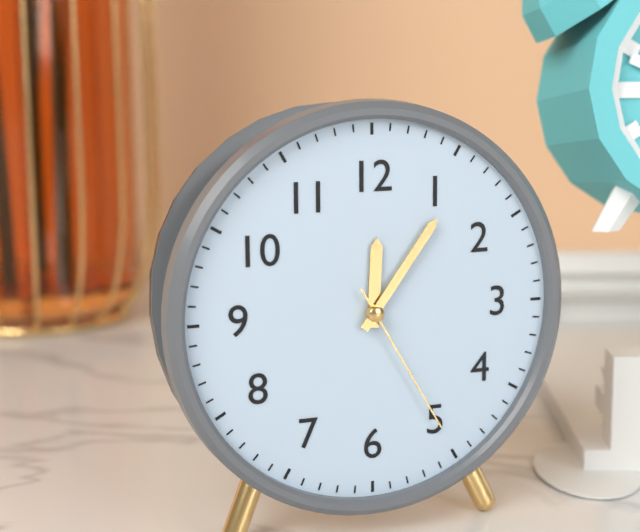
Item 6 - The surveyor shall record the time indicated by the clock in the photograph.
12:06:25
